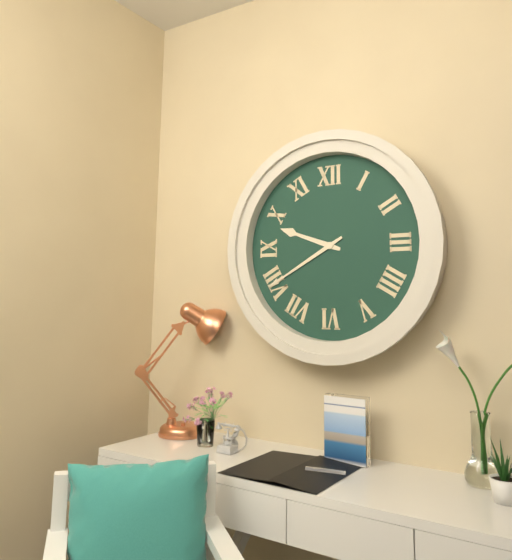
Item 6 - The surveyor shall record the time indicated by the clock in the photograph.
9:40
